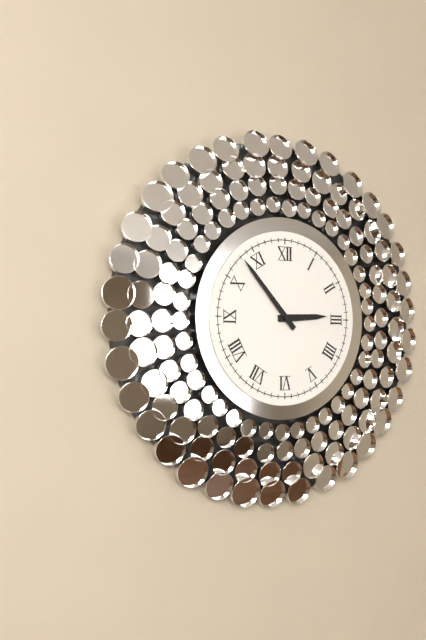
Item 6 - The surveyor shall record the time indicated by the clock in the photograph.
2:53
